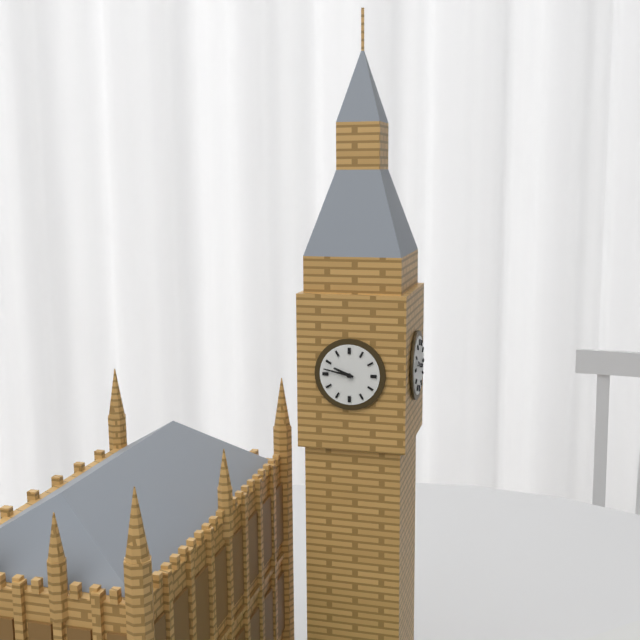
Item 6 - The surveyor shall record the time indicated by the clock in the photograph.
9:47
